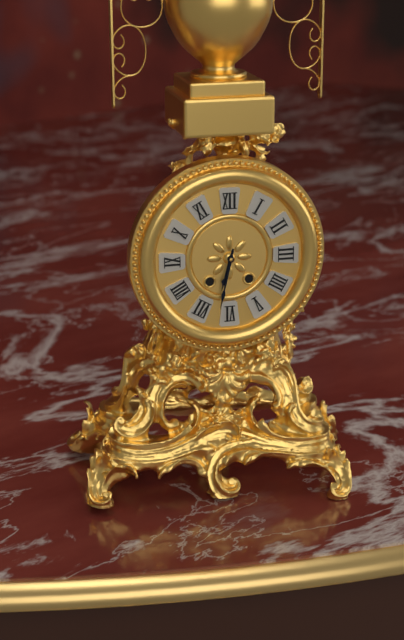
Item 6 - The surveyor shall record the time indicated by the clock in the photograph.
6:32
